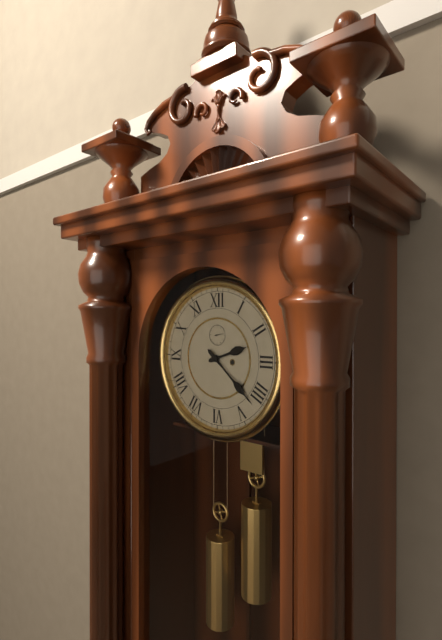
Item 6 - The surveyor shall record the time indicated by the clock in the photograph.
2:22
